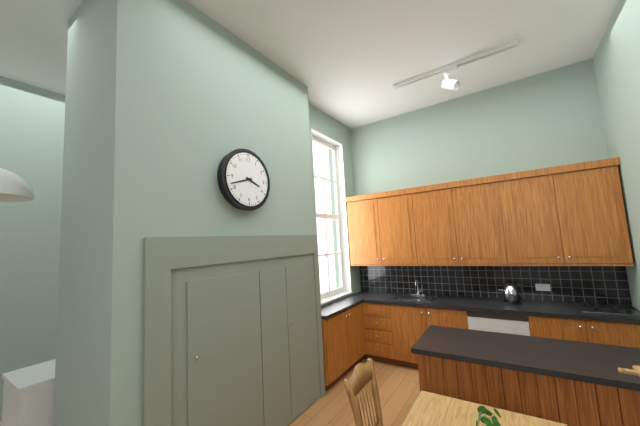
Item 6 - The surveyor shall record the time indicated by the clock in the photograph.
3:42
